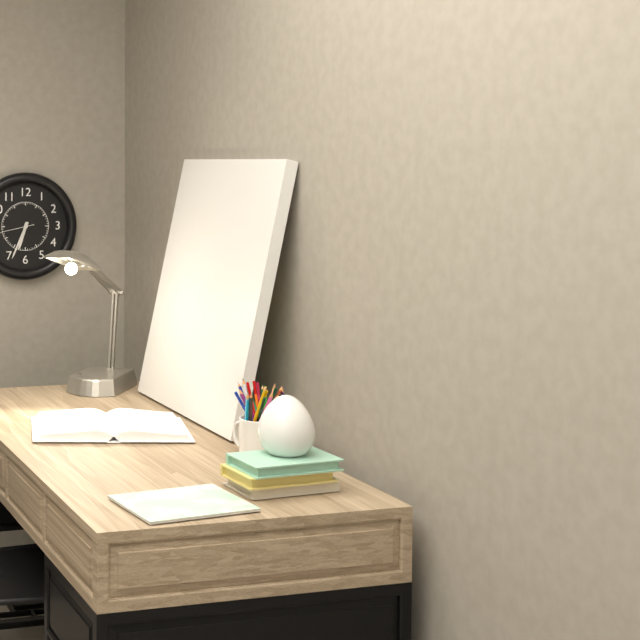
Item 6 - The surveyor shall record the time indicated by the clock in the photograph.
6:34
